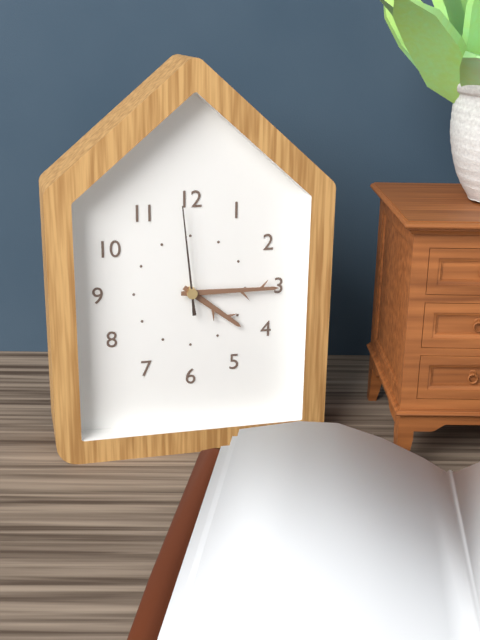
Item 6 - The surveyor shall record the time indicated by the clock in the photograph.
4:15:59
